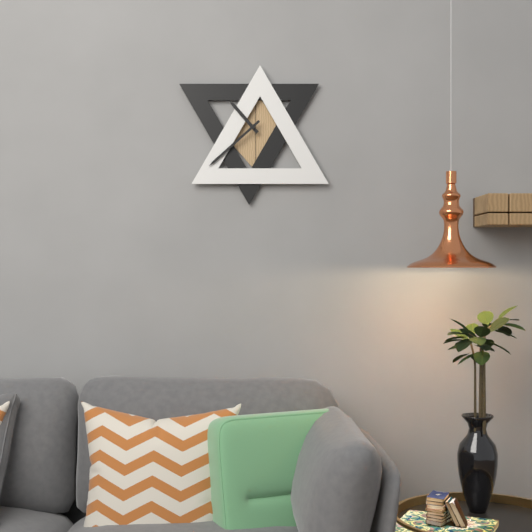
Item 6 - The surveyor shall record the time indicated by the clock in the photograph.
10:38
